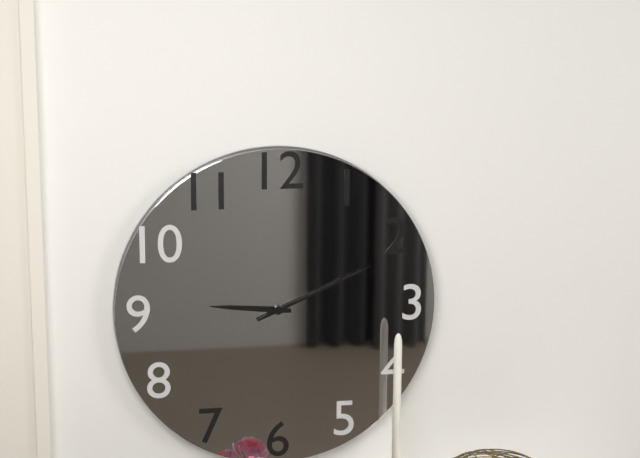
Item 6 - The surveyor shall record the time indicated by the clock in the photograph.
9:11
